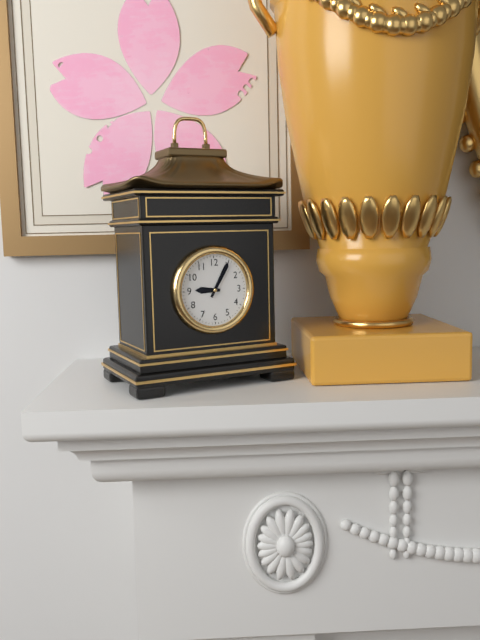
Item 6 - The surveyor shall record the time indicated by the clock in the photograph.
9:05
